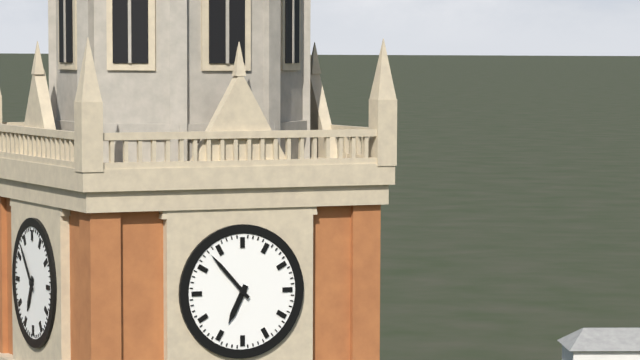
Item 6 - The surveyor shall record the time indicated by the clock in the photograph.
6:53
